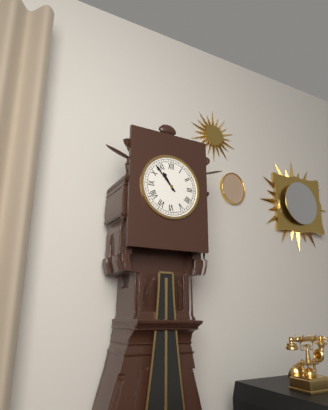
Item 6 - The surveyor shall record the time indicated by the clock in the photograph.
10:53
